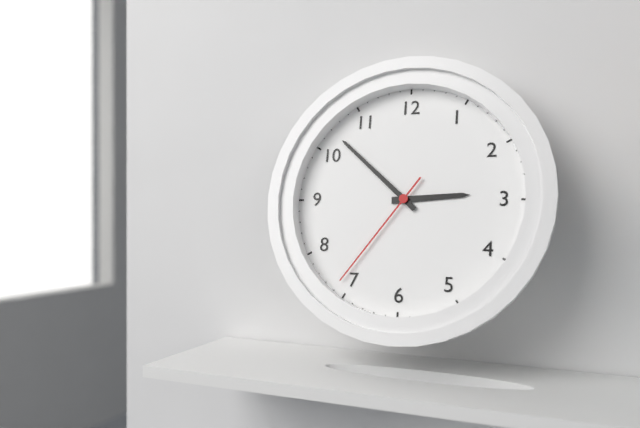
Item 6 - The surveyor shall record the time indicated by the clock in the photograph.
2:52:36
